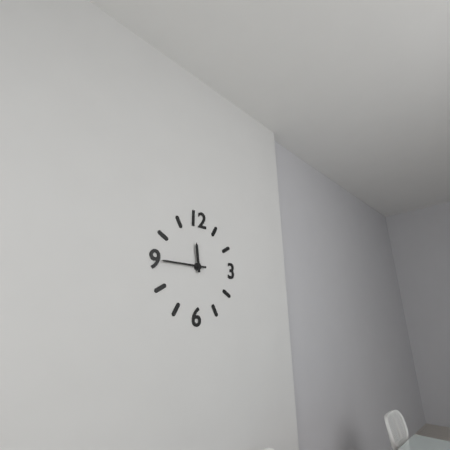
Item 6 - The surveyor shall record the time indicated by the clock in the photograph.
11:45
